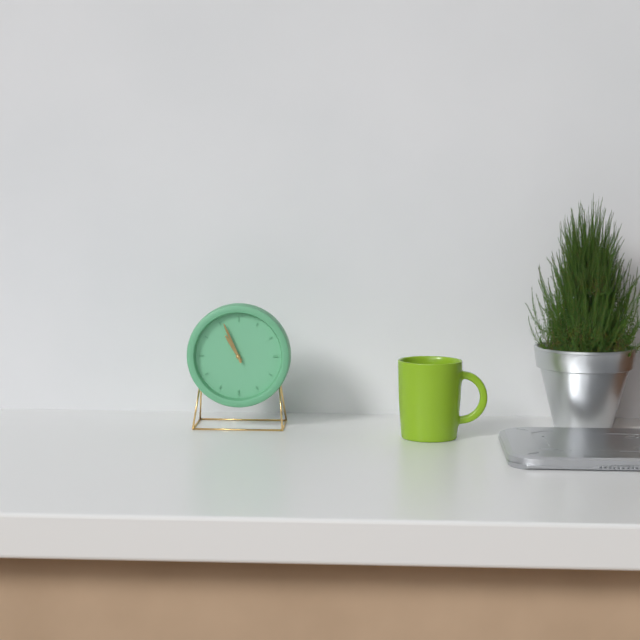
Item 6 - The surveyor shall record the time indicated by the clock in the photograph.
10:56
